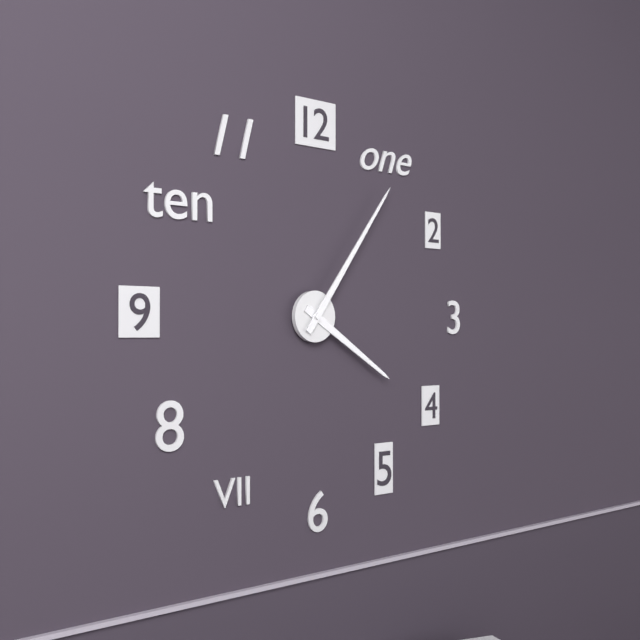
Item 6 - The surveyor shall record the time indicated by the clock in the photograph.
4:06
